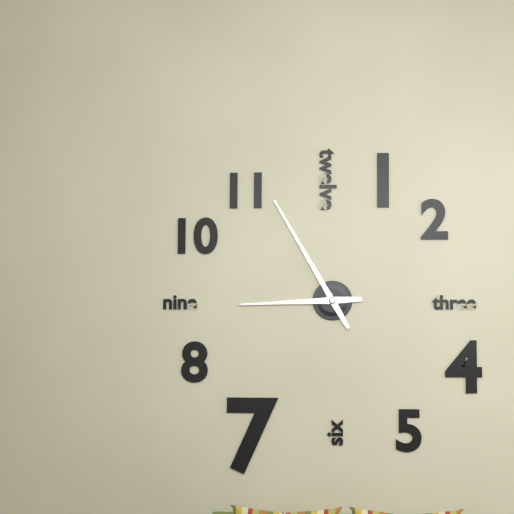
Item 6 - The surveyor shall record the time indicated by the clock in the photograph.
8:55
